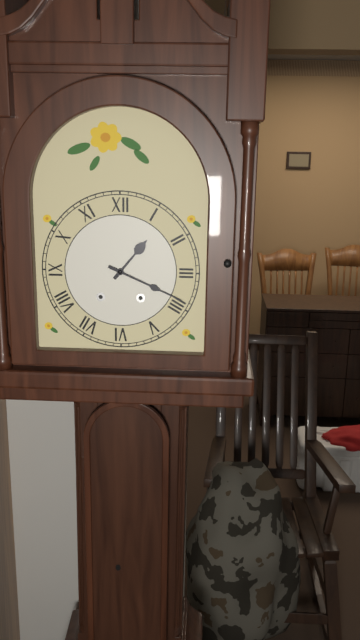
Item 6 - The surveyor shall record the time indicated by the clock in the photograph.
1:19
